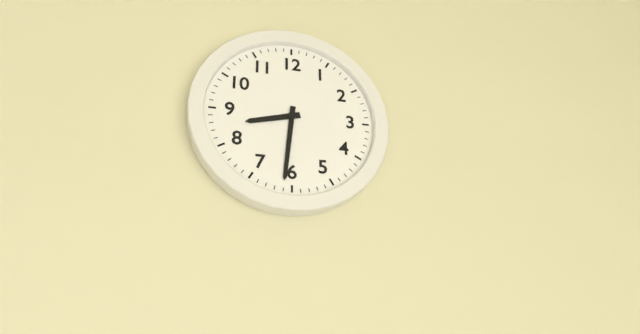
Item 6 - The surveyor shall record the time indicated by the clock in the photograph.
8:31
